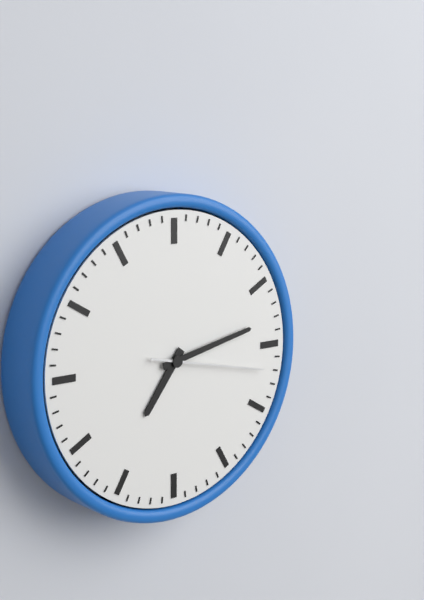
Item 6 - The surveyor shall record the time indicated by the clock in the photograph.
7:13:17
